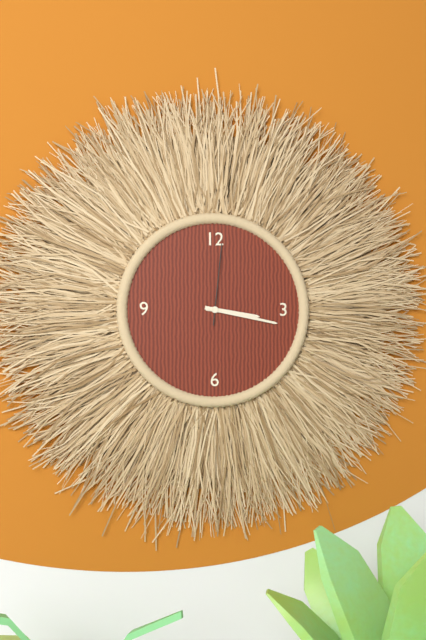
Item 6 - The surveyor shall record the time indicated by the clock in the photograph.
3:17:01
